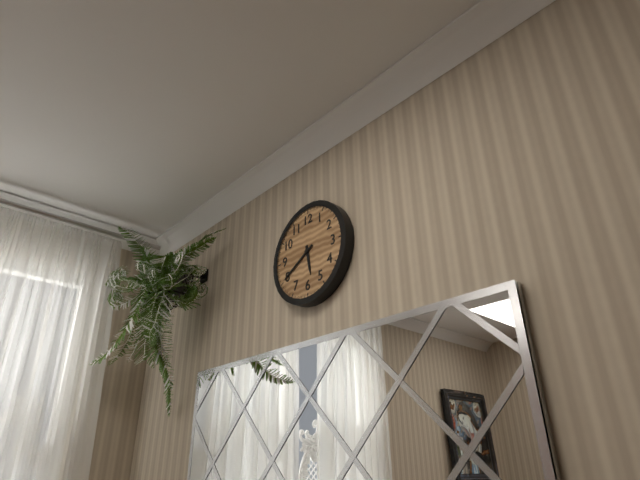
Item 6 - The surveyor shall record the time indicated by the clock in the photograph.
5:40
